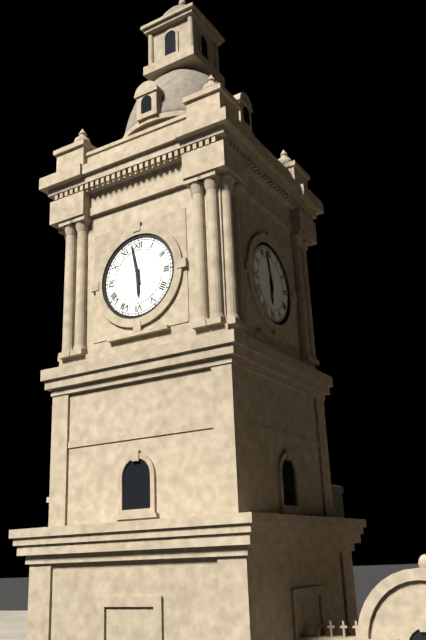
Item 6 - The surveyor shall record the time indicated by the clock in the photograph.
5:58
